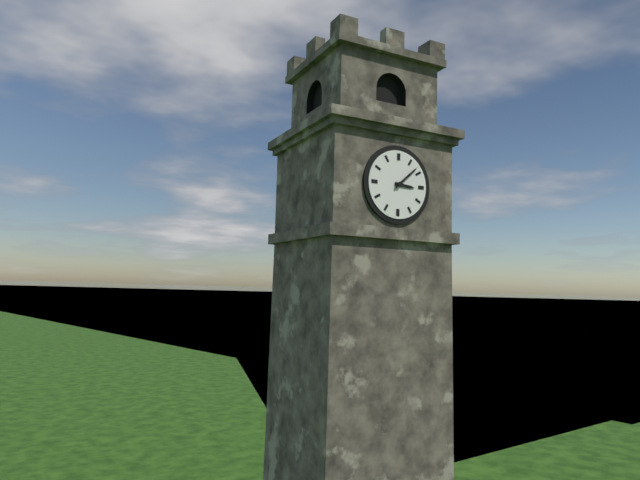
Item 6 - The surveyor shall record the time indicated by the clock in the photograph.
3:08
